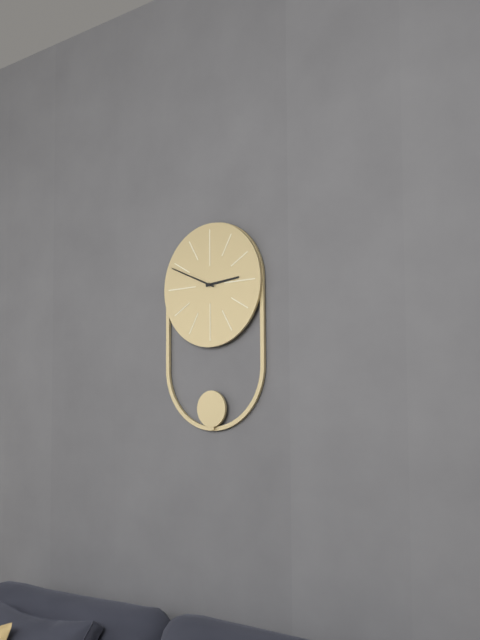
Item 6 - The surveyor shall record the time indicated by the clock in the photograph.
2:49
